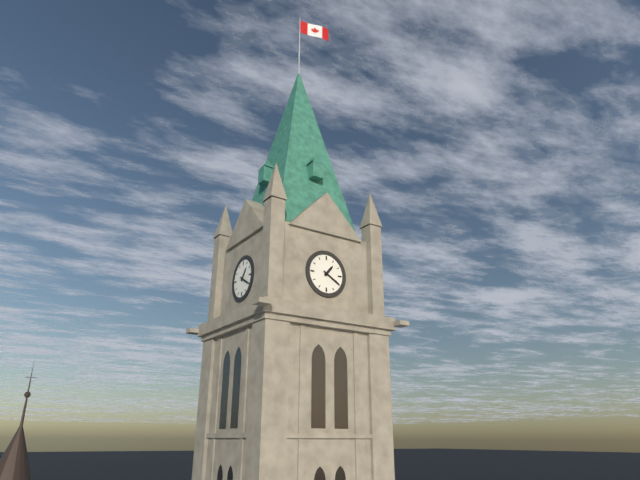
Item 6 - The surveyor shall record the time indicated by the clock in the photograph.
1:20
